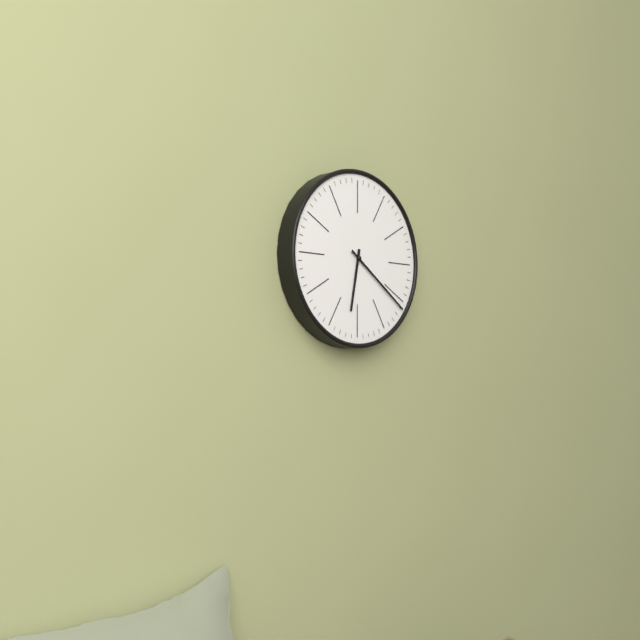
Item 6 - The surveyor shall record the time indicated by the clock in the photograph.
6:21
